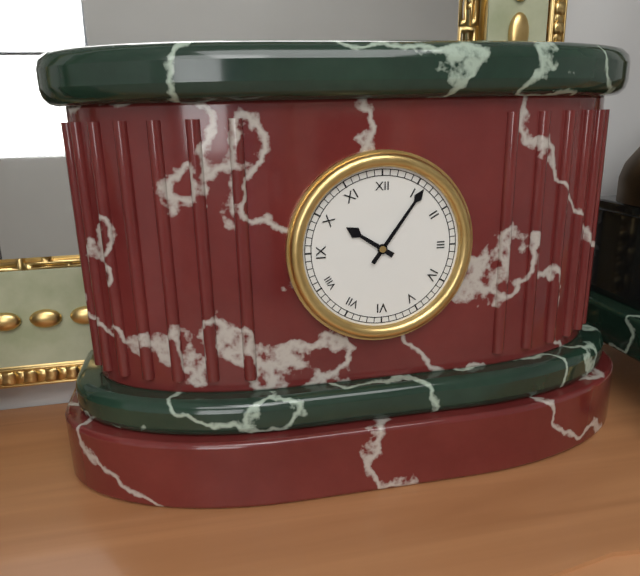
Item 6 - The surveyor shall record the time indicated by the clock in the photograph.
10:06
